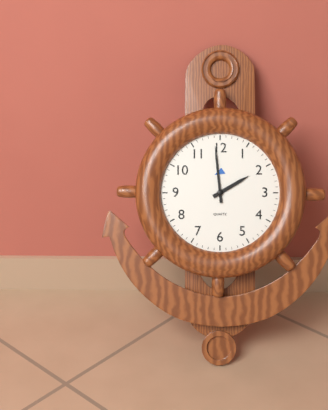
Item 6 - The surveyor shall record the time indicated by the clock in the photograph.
1:59
